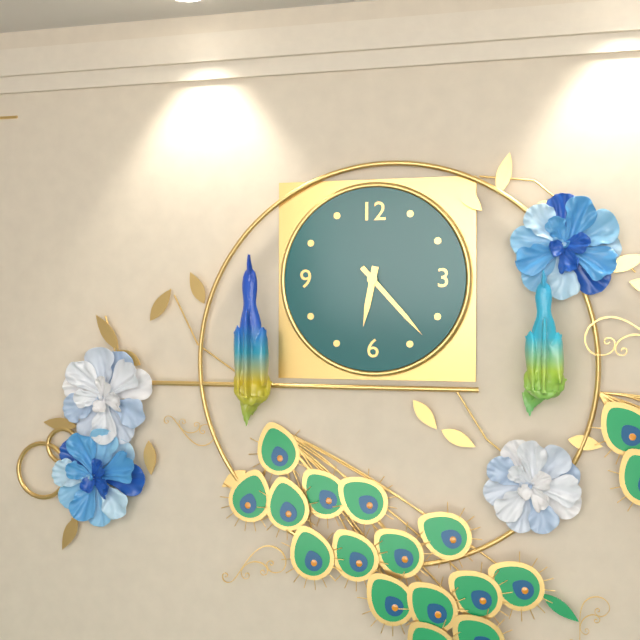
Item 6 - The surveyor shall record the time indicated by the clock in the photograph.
6:23
